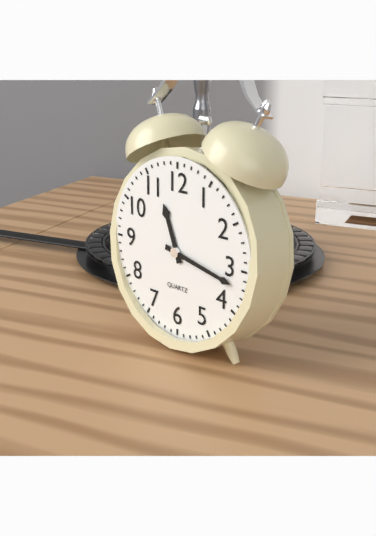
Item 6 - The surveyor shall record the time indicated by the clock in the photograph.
11:17
